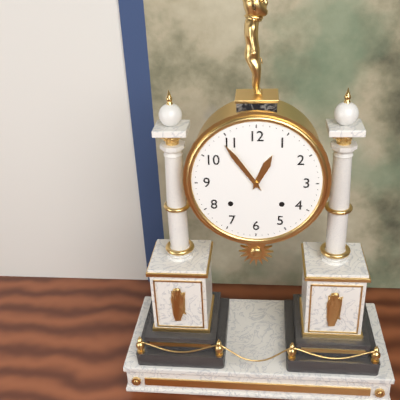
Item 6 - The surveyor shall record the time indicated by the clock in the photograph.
12:54
